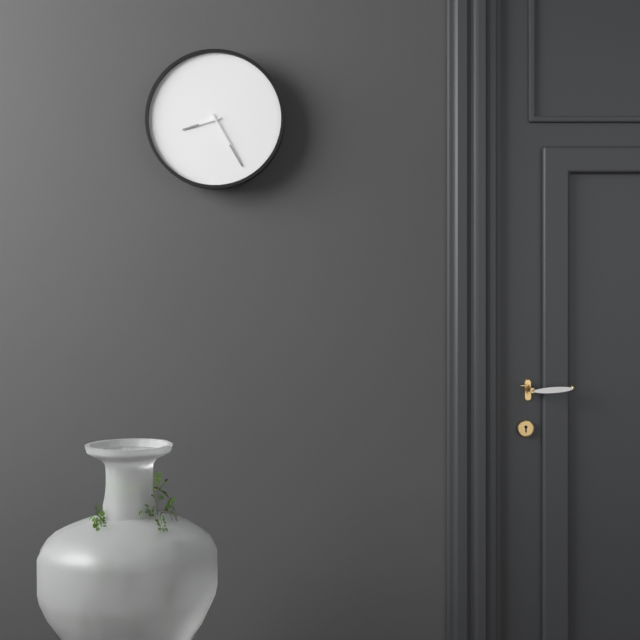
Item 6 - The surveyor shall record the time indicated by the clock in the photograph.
8:25
